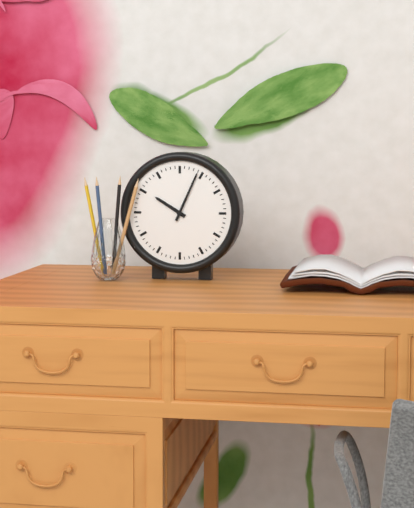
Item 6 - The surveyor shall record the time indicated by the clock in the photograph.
10:04
